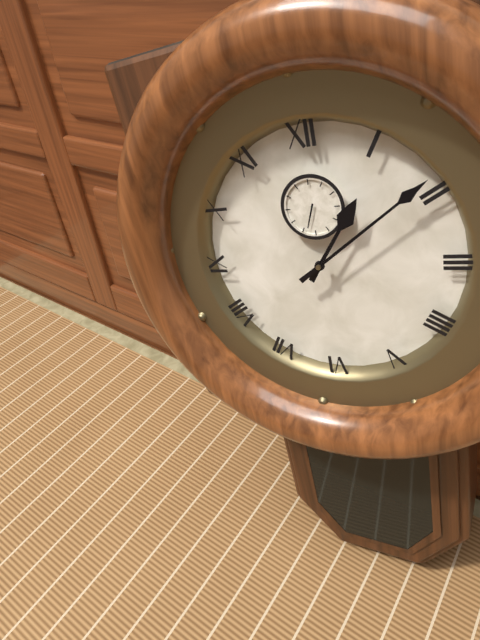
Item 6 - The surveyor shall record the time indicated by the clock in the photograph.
1:09
